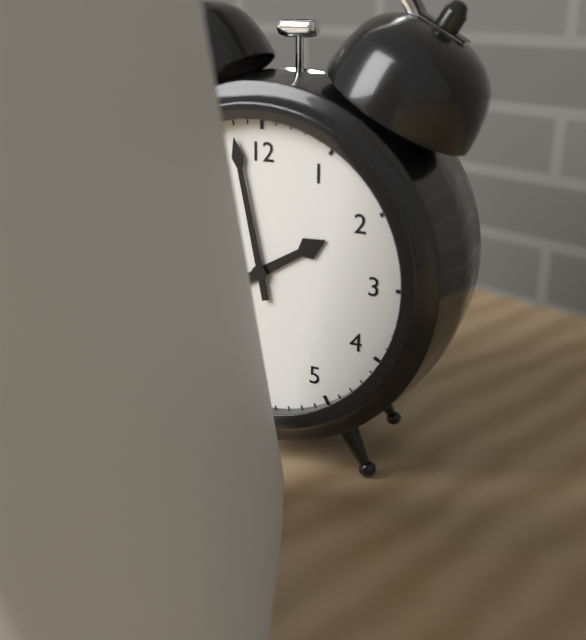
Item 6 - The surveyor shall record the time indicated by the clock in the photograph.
1:58
